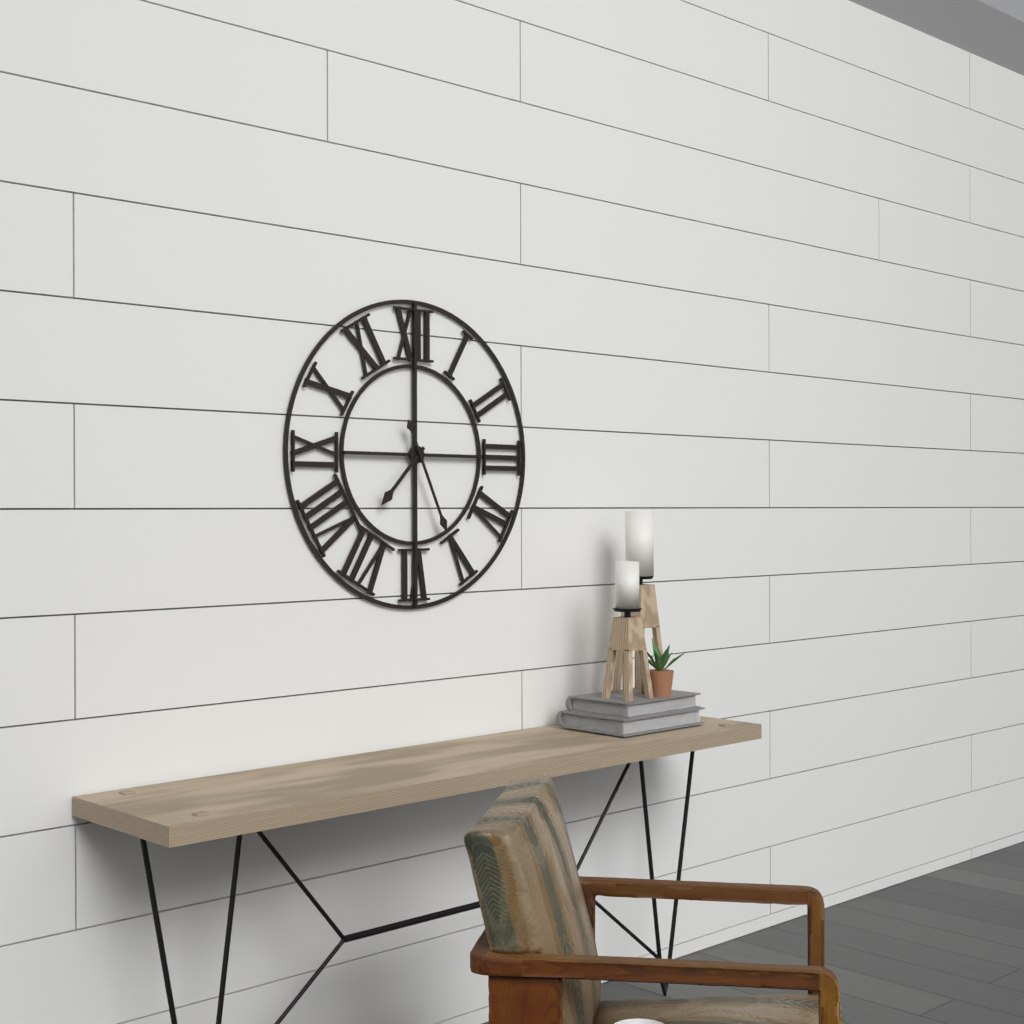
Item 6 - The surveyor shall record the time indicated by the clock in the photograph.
7:26
